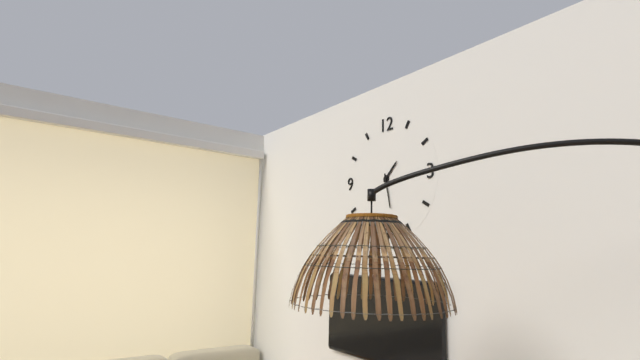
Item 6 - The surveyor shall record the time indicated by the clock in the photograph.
1:28
